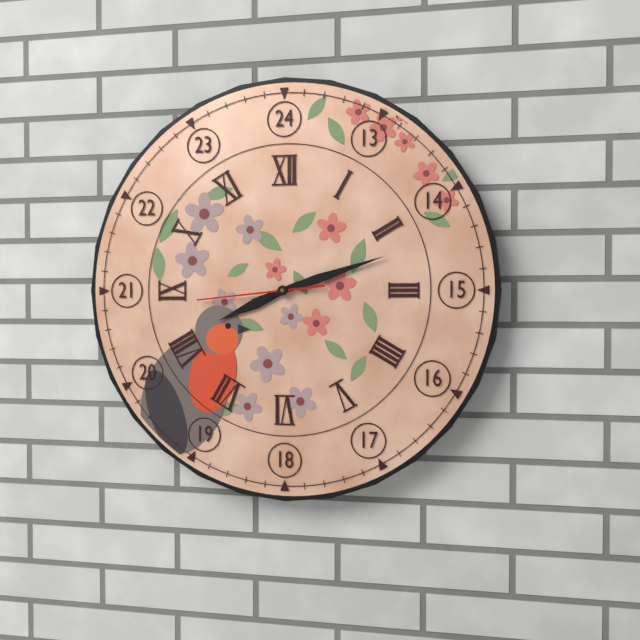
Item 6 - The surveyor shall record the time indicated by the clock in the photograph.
8:12:44
